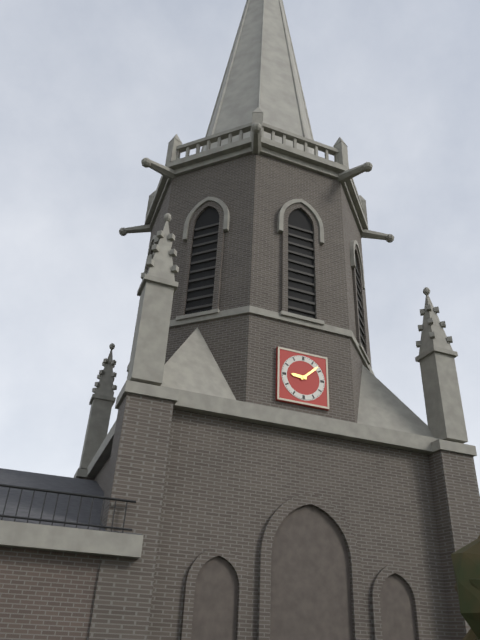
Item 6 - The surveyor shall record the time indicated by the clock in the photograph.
9:08
